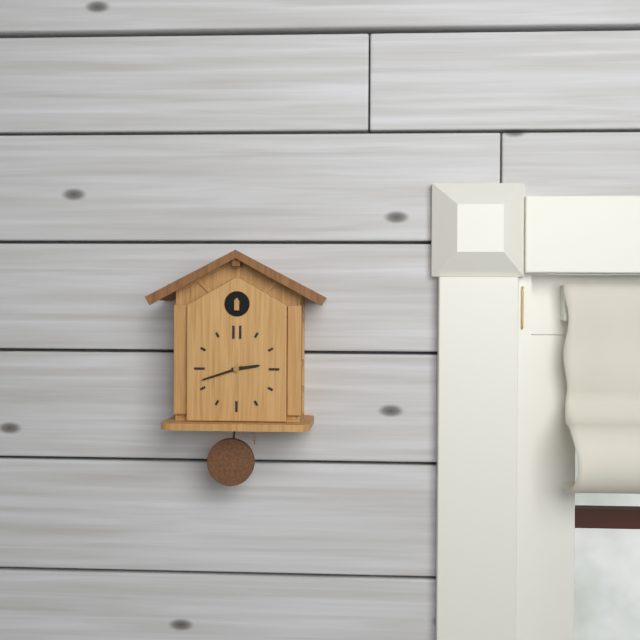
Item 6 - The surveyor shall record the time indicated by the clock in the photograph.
2:42
